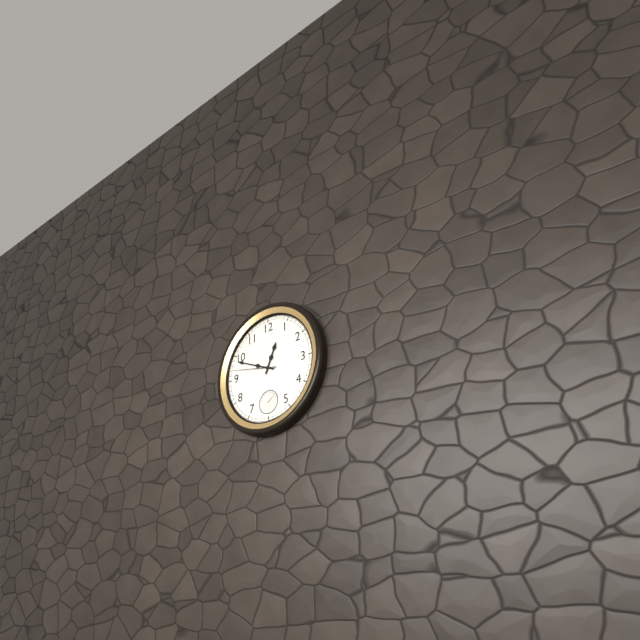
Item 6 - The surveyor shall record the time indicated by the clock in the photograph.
12:49
